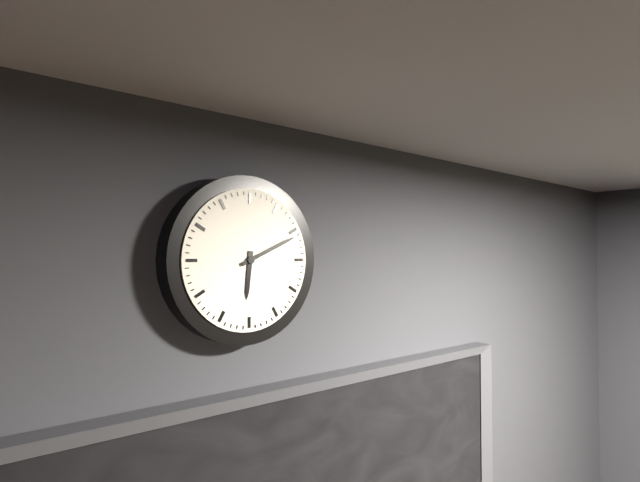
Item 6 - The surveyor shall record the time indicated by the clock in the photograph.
6:11
